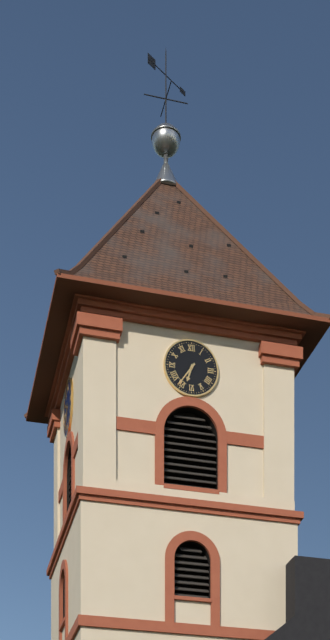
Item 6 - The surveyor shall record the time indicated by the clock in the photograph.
6:36
